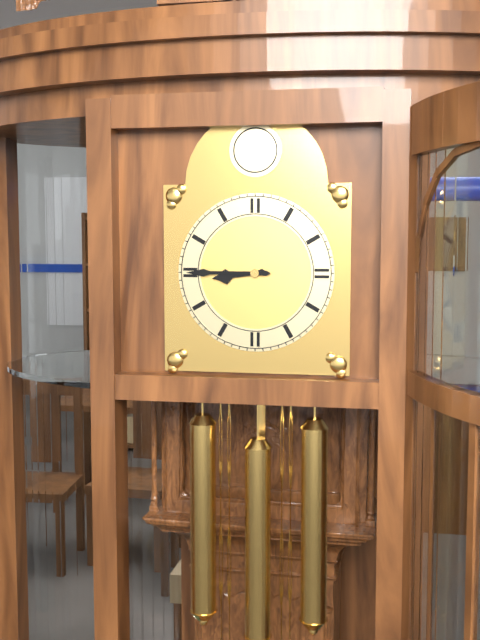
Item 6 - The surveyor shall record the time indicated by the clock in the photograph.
8:45
